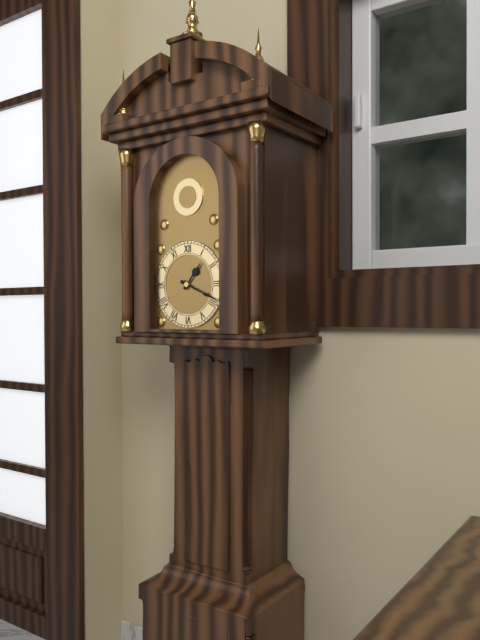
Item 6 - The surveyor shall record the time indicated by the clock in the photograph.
1:19
